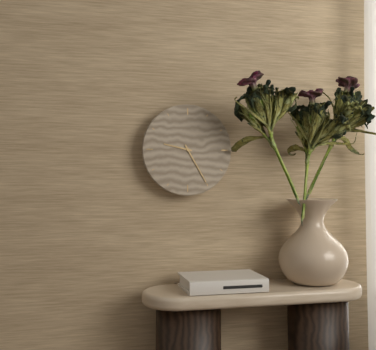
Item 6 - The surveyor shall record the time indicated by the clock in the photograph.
9:25
